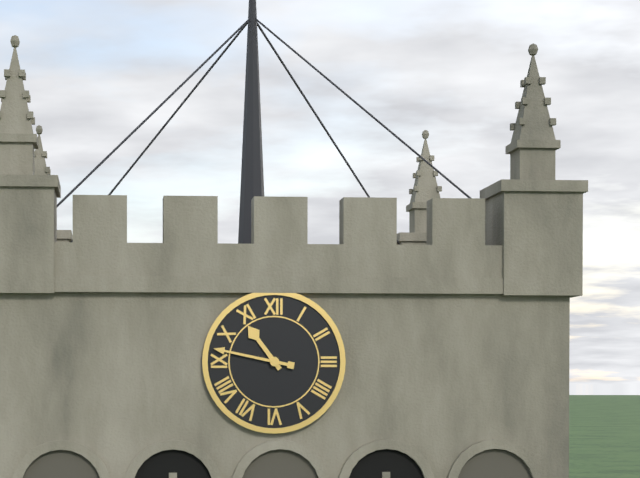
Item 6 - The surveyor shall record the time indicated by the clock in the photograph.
10:47
